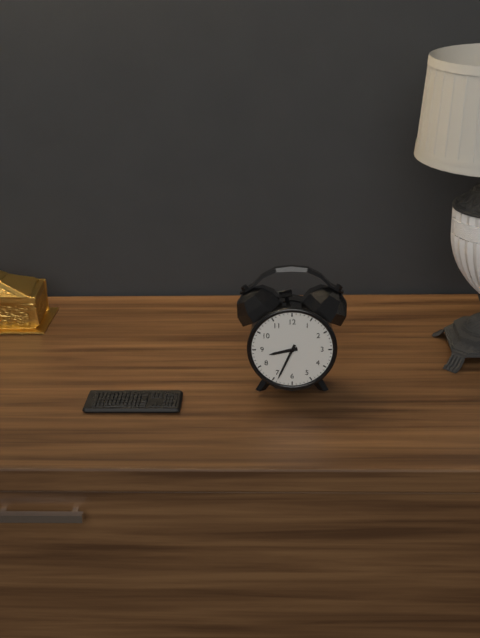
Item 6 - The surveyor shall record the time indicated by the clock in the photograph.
8:34
